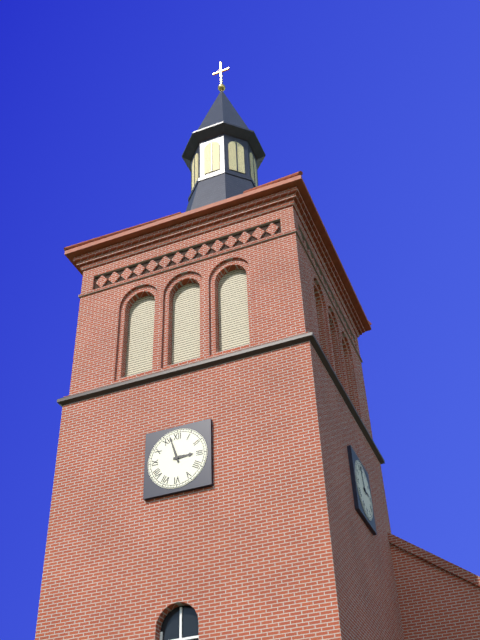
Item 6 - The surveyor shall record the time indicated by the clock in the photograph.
2:57
